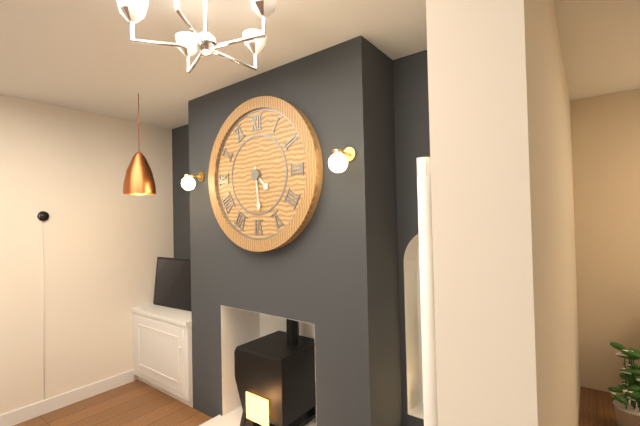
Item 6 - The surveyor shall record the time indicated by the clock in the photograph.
4:29
